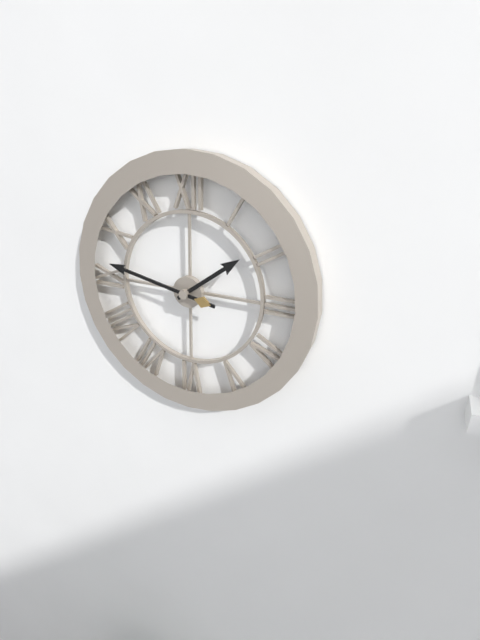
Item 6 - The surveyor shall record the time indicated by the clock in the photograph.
1:47
